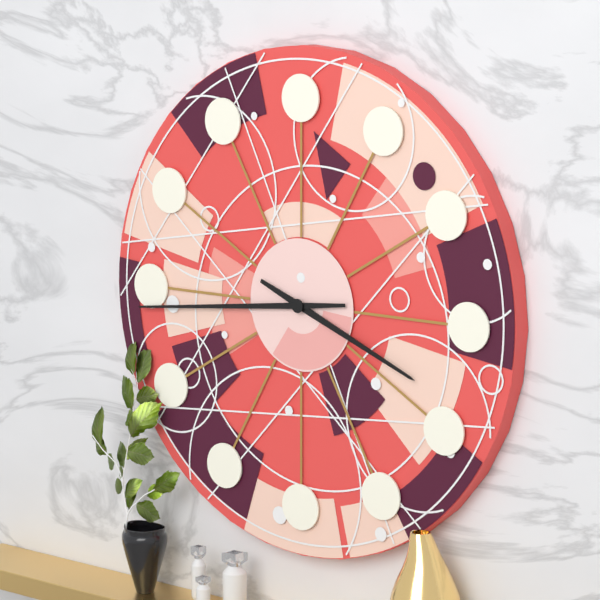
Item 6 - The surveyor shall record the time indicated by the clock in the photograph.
3:44
